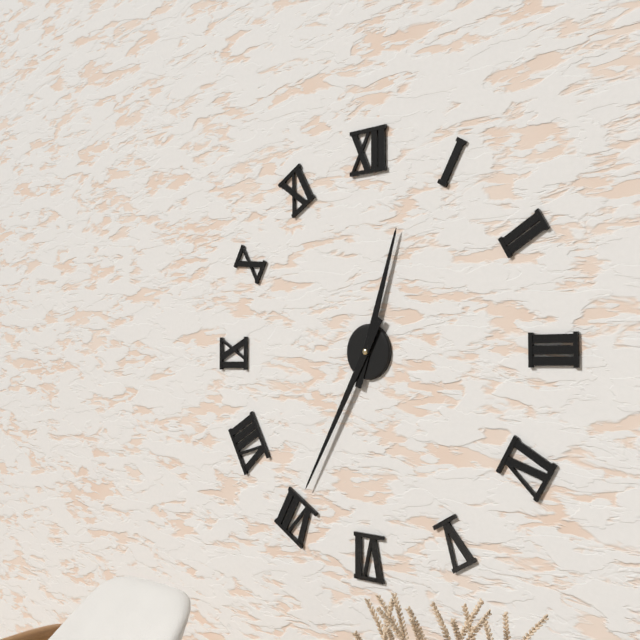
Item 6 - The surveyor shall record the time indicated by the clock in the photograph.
12:35
